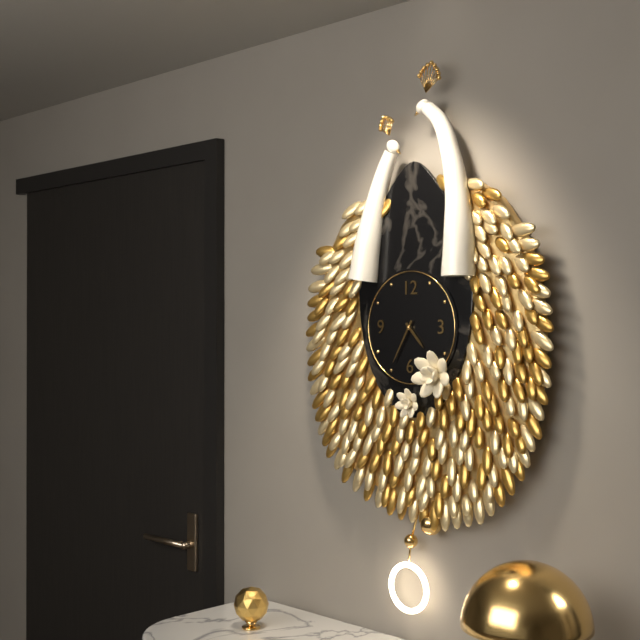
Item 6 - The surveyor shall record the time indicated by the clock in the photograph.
4:35
